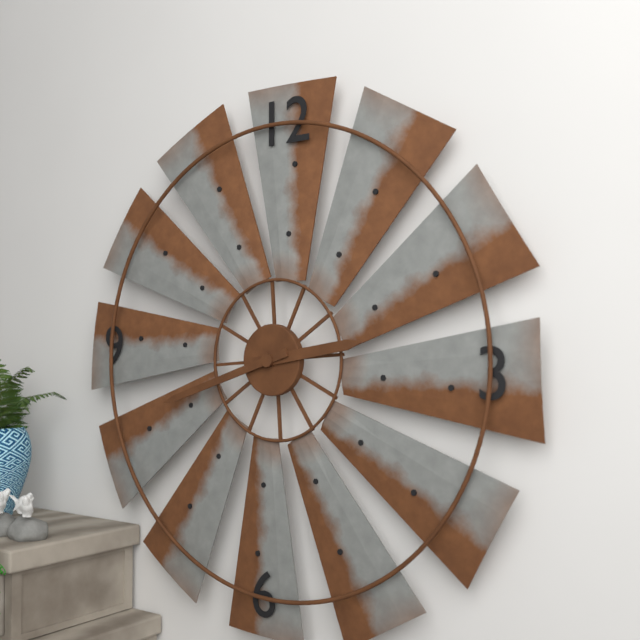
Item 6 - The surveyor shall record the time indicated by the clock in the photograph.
2:42
